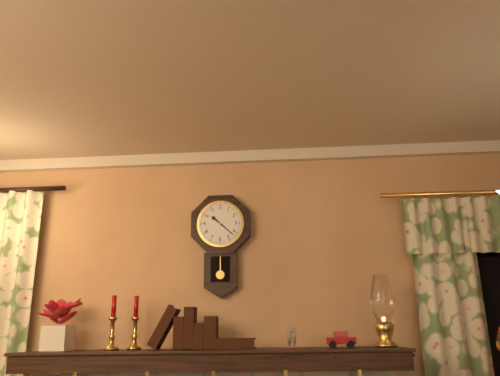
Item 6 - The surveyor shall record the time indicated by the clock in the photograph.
10:22
